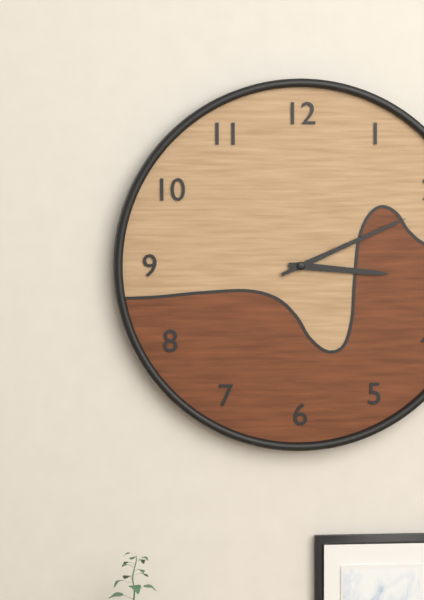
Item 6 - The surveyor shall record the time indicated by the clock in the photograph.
3:11
